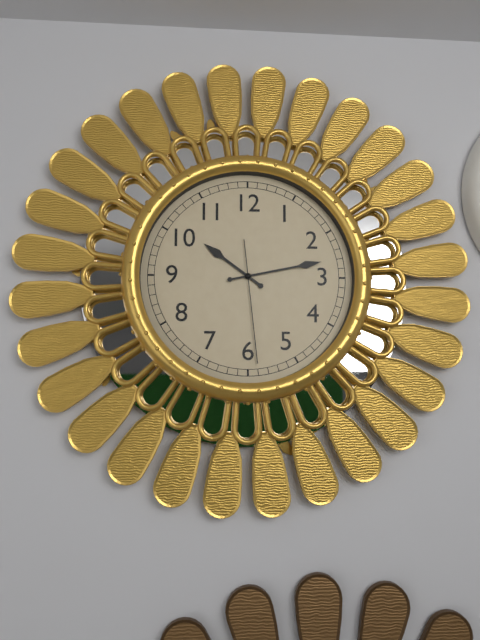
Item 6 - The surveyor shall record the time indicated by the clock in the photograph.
10:13:29
